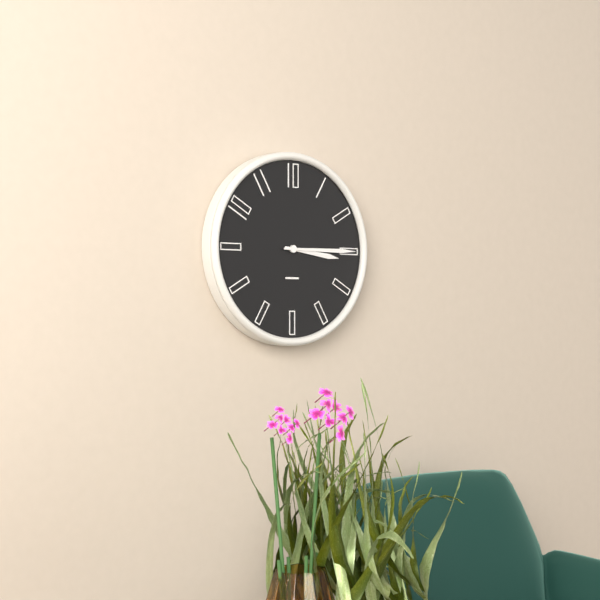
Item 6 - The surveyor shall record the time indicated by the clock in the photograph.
3:15
